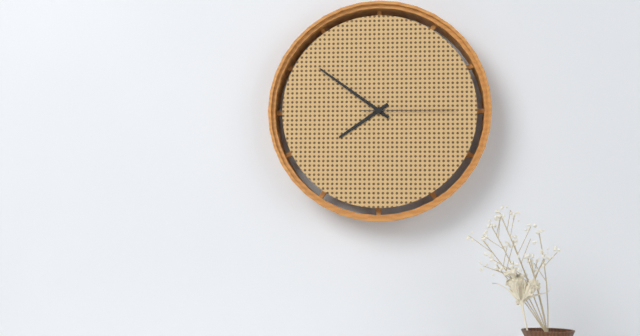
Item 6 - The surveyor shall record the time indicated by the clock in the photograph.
7:51:15
